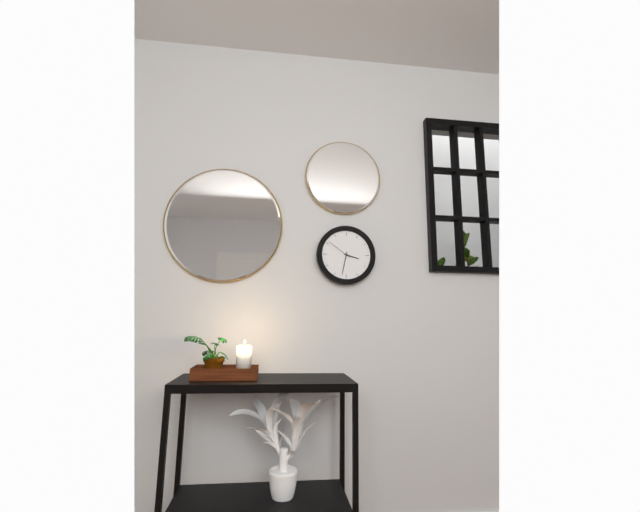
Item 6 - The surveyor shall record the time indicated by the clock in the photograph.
3:32
